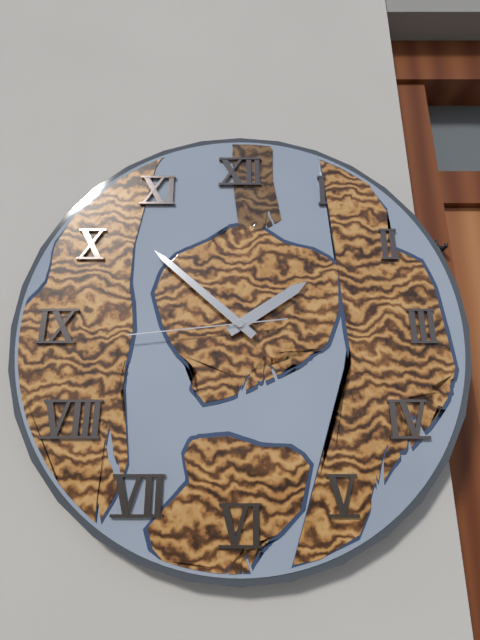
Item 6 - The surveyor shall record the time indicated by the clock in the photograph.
1:52:44
